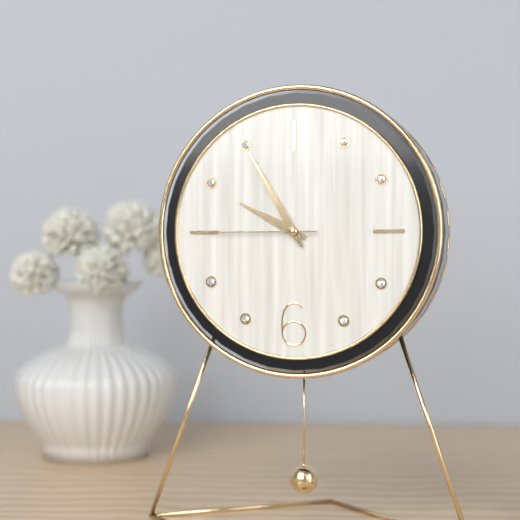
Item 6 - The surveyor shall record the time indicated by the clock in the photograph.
9:55:45
